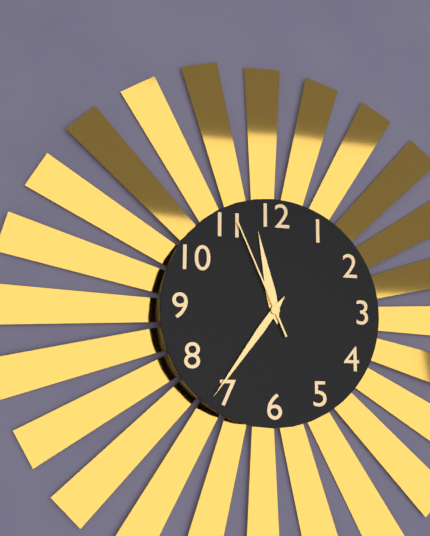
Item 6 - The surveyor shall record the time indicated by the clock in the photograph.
11:36:56
